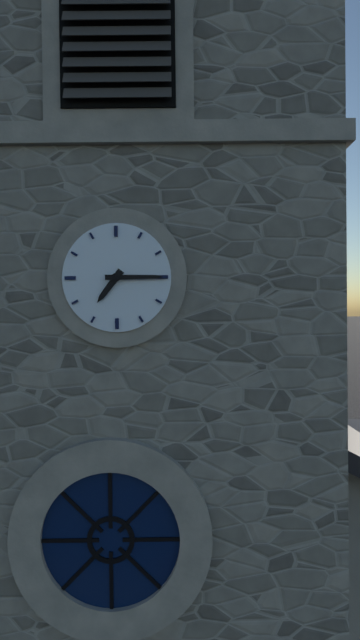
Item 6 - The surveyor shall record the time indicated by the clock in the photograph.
7:15
